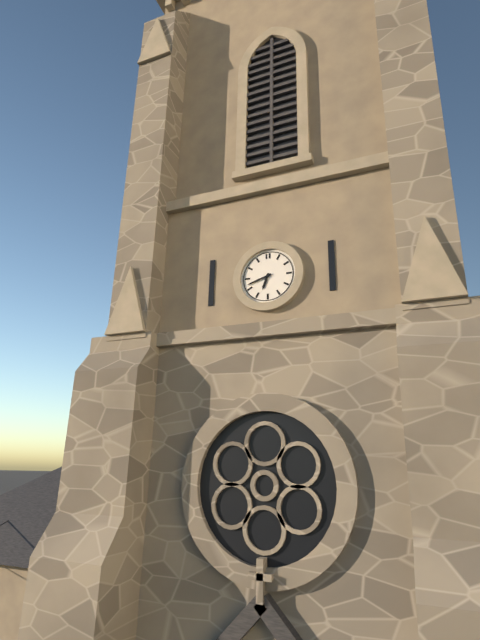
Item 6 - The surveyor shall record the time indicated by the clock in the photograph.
6:42
